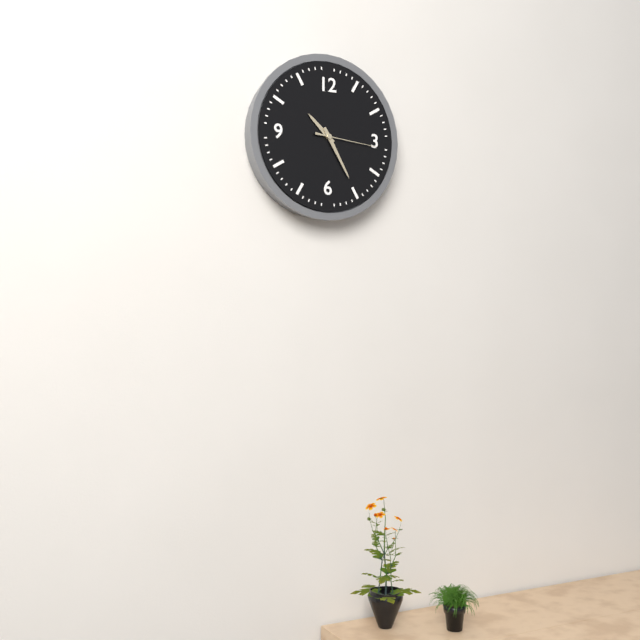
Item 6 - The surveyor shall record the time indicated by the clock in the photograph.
10:25:16
